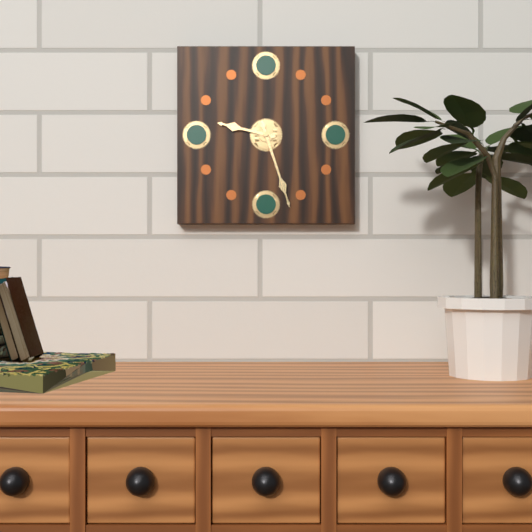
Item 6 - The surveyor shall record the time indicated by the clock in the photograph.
9:27
